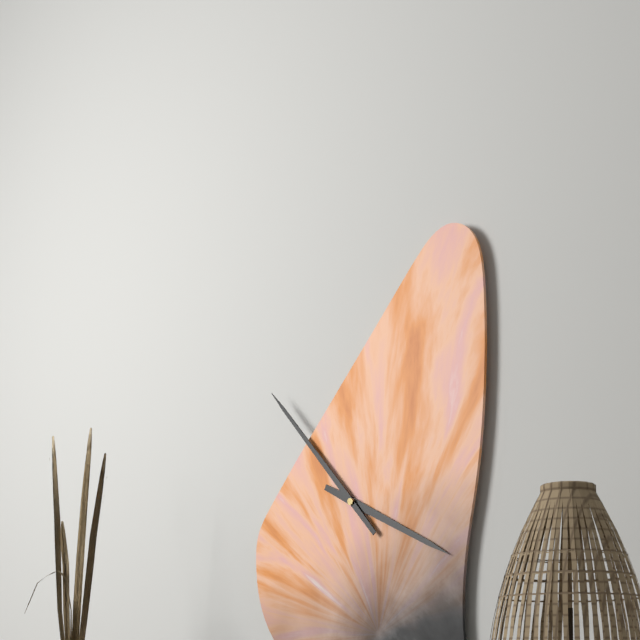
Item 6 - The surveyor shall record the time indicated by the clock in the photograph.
3:53
